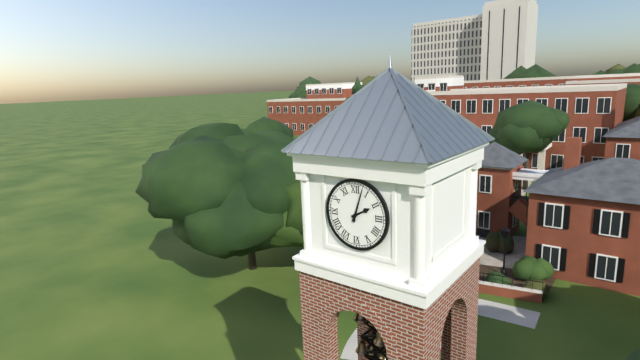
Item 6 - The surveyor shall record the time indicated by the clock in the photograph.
2:03
